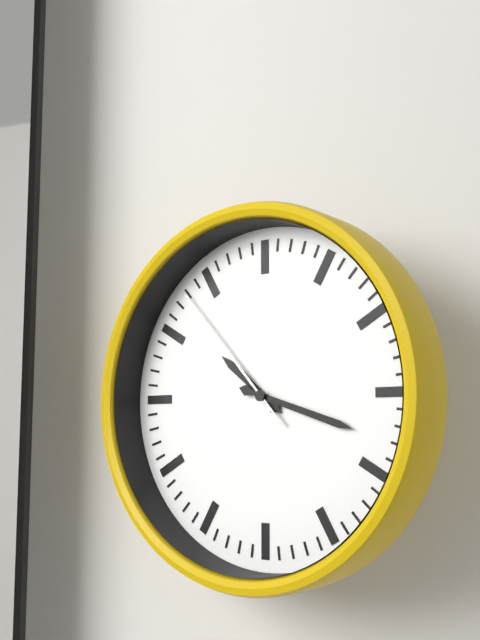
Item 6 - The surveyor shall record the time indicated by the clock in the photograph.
10:18:53
